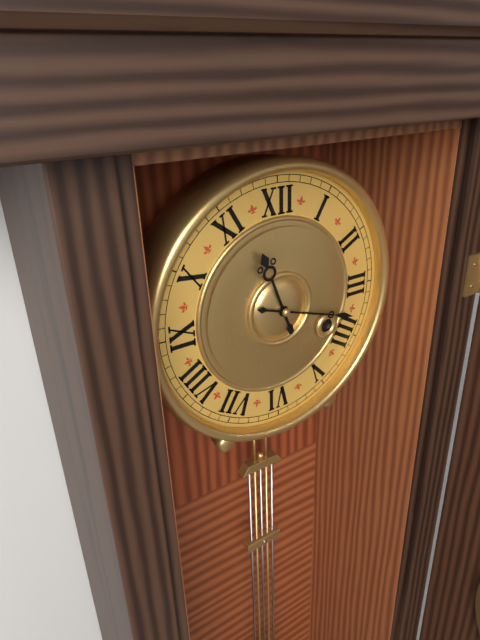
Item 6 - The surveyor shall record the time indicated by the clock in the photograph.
11:18
